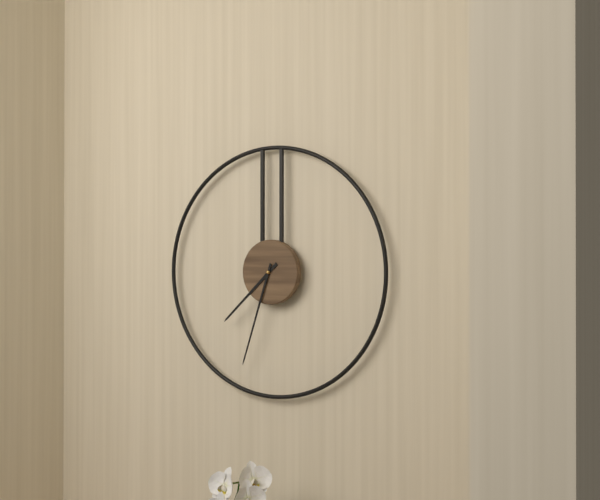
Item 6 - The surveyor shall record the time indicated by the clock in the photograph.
7:33
